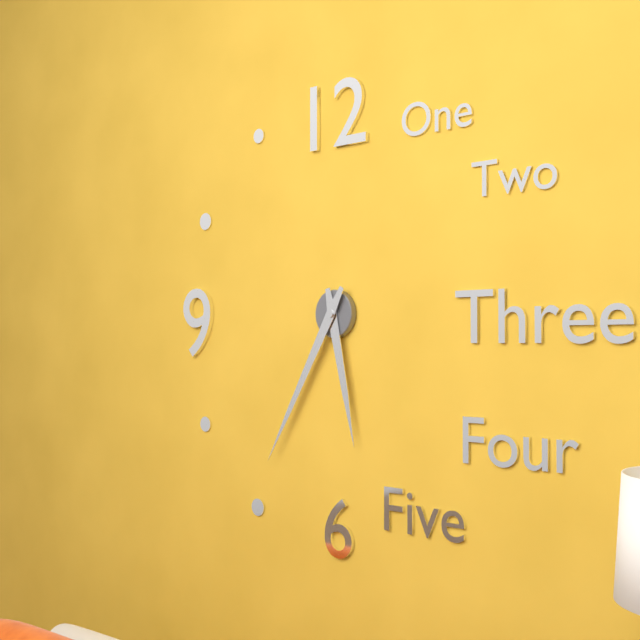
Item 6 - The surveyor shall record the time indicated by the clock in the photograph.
5:35
